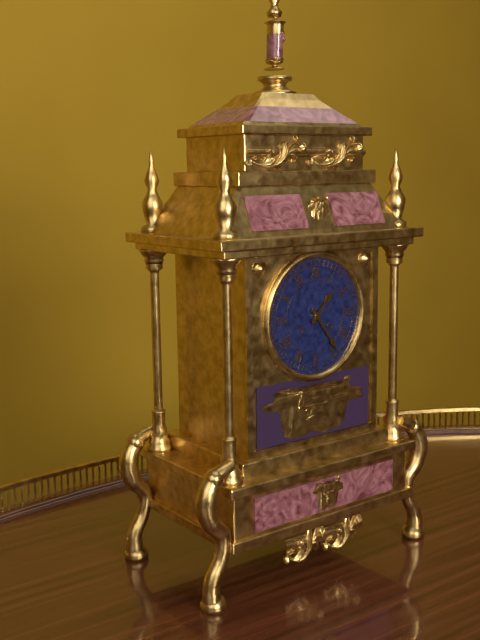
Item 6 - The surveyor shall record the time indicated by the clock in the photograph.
1:24
